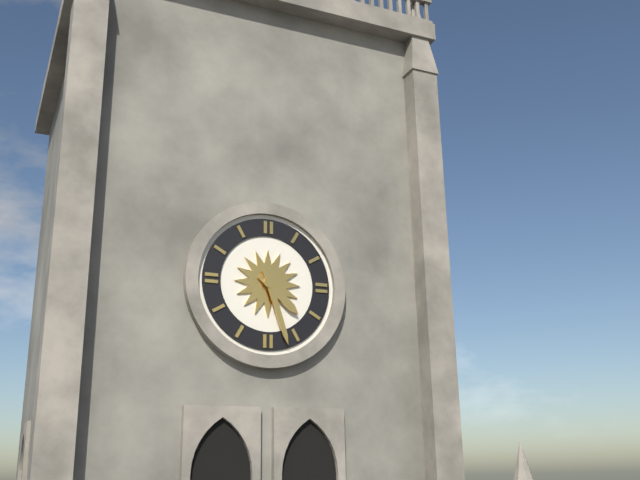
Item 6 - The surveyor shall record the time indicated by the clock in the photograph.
4:27
